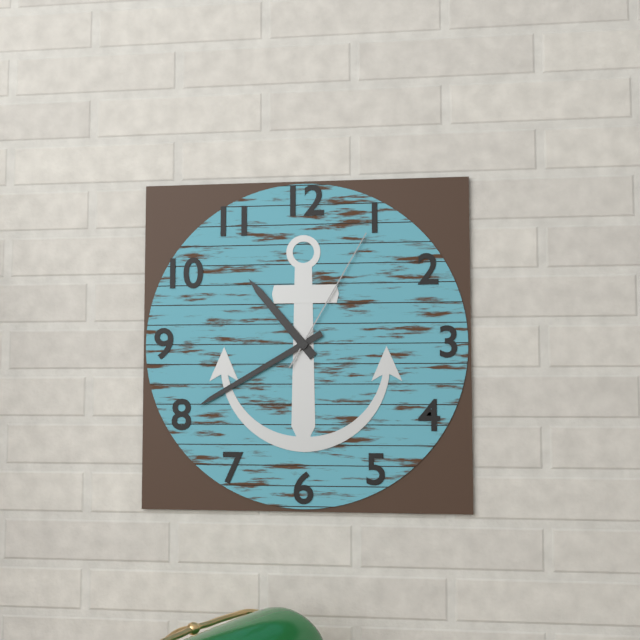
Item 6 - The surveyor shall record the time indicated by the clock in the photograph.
10:40:05
